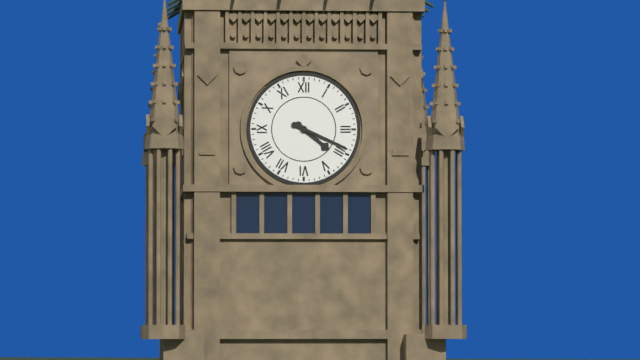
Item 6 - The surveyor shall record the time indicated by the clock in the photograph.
4:19
